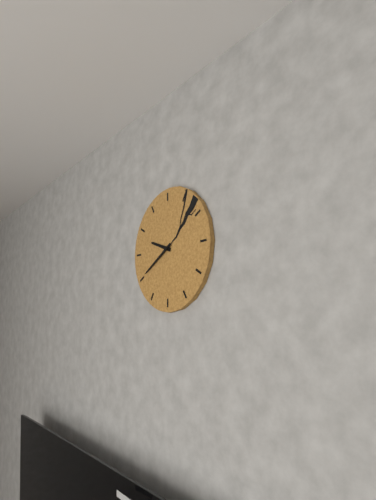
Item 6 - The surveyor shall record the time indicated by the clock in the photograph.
9:40
